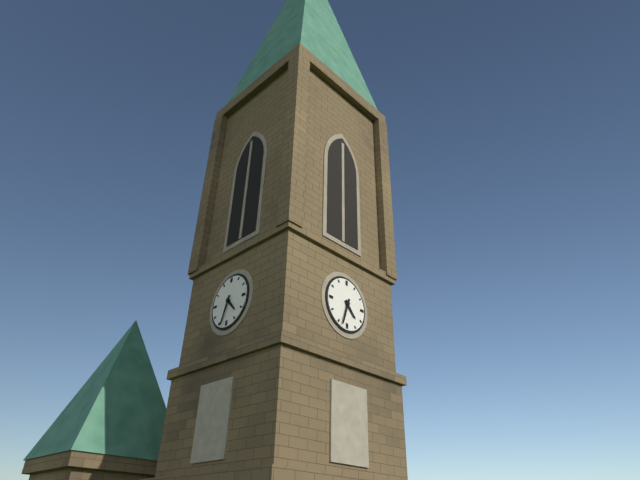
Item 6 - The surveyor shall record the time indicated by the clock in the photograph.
4:33
